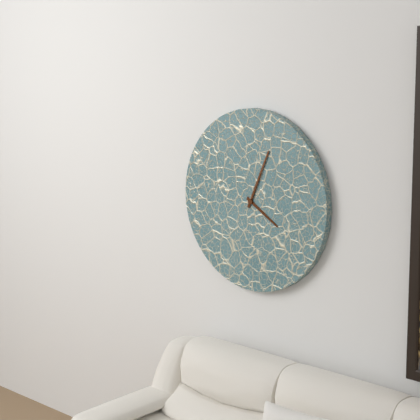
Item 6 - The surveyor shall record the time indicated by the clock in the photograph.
4:04
